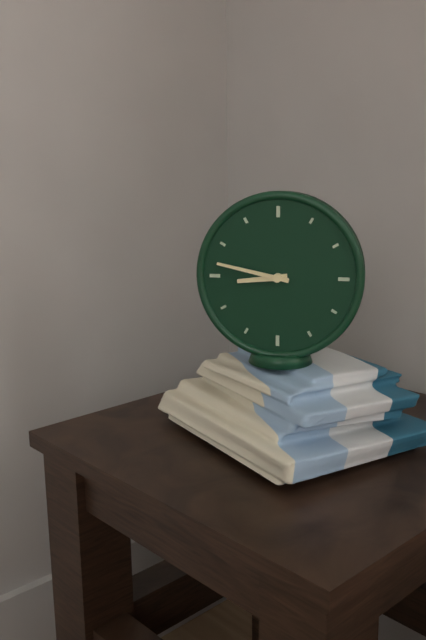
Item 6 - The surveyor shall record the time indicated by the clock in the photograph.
8:47
